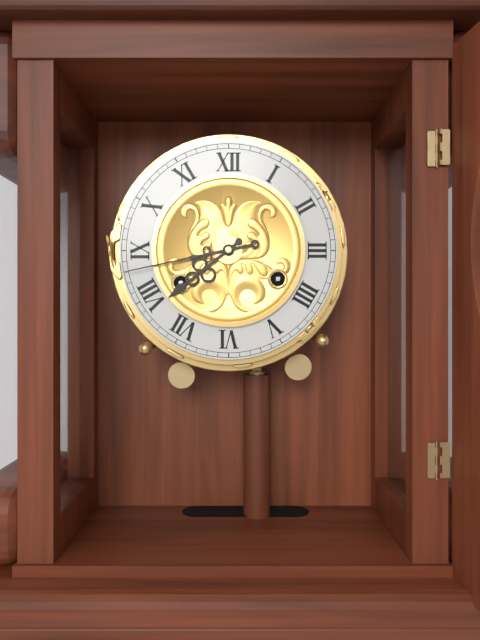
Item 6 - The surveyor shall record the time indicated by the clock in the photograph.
7:43
